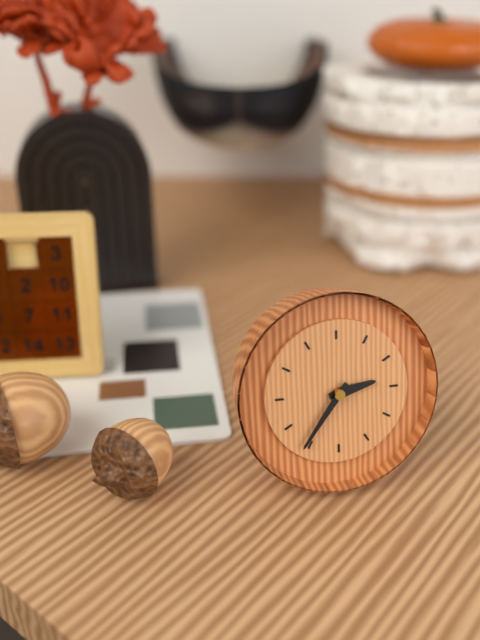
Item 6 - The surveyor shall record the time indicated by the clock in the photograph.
2:36
